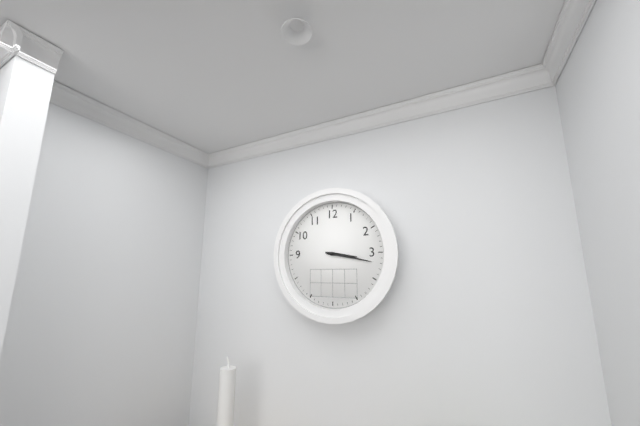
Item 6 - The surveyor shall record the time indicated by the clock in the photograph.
3:17
